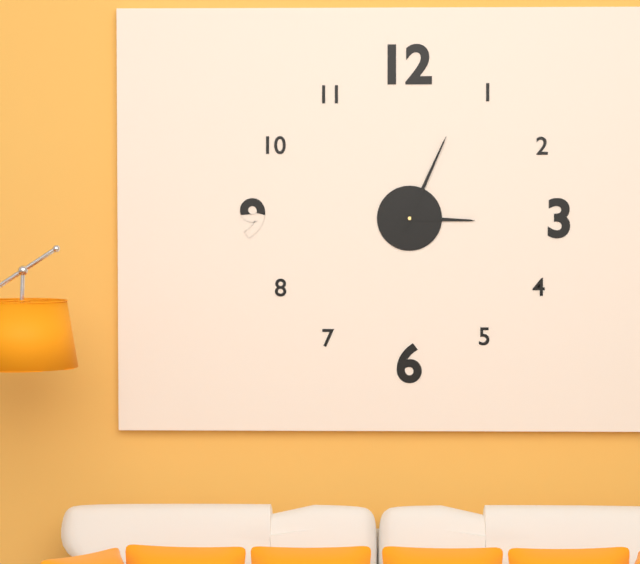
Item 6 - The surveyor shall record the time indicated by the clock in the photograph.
3:04
